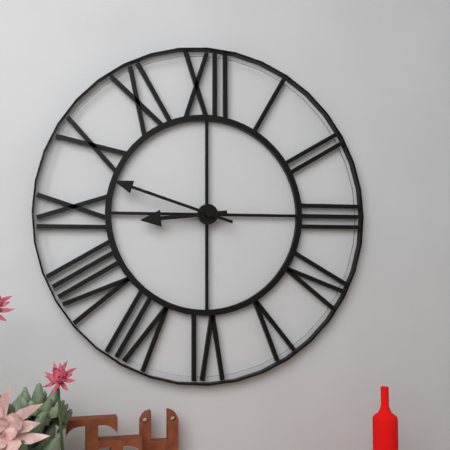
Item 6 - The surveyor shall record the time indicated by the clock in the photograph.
8:48
